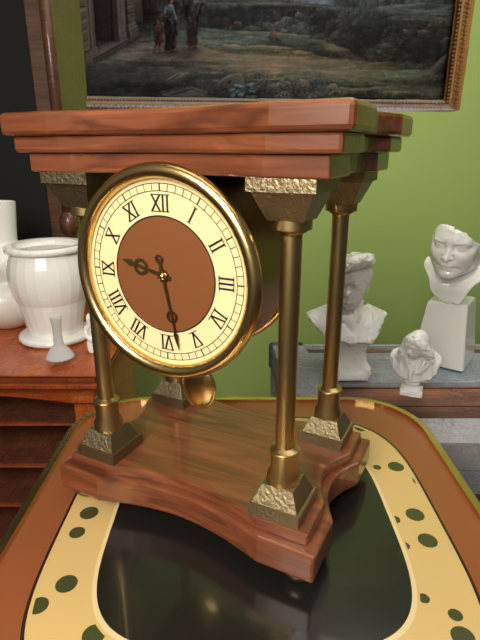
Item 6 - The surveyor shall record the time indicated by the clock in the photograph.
9:28
